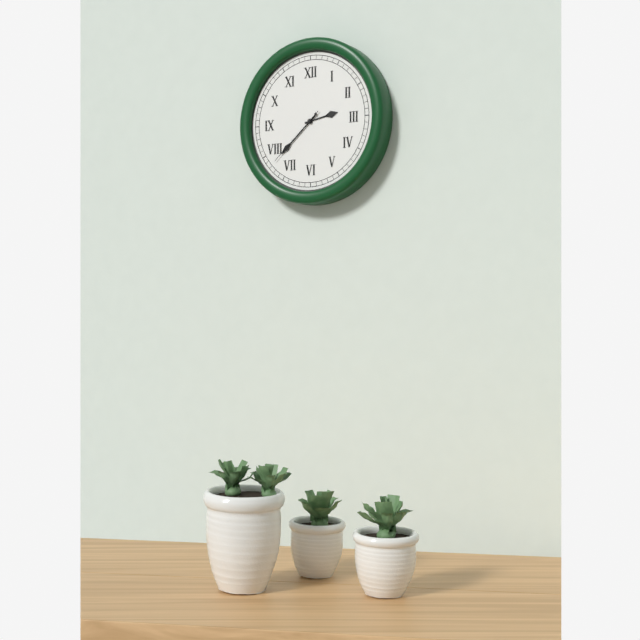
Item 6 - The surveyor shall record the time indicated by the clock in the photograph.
2:38:38
